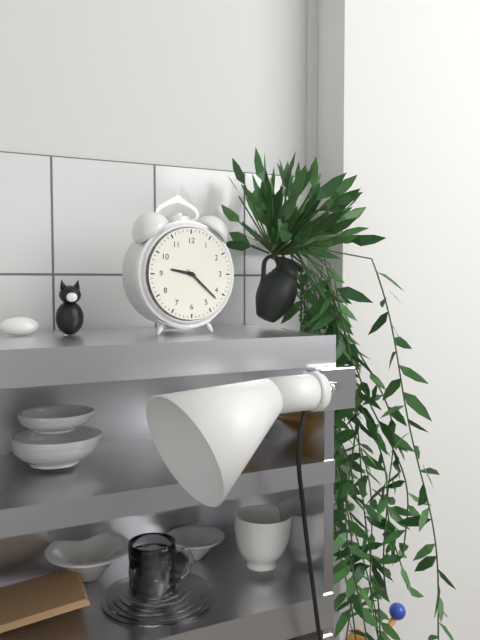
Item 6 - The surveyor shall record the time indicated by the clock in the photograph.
9:22
